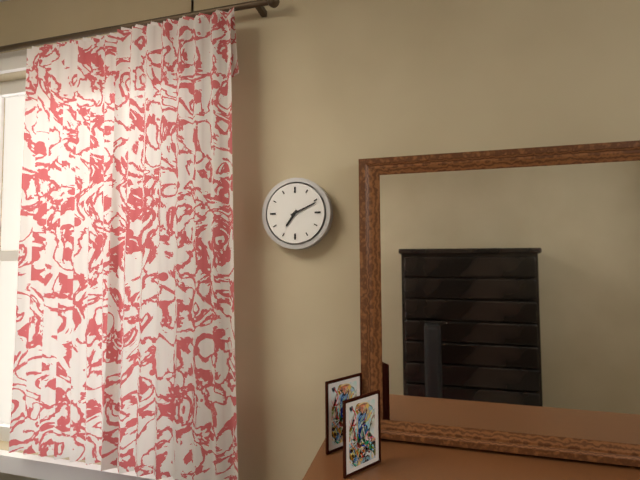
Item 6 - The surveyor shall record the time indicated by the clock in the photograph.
7:11
